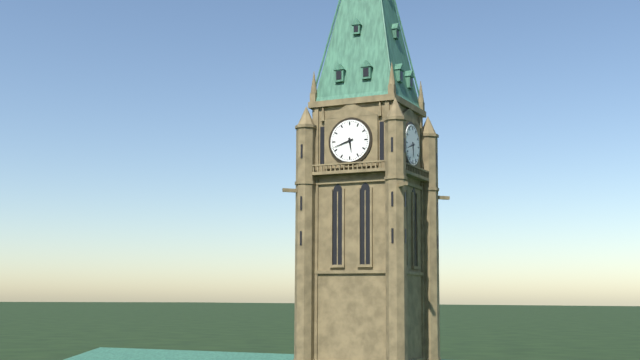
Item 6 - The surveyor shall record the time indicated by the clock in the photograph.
5:42
